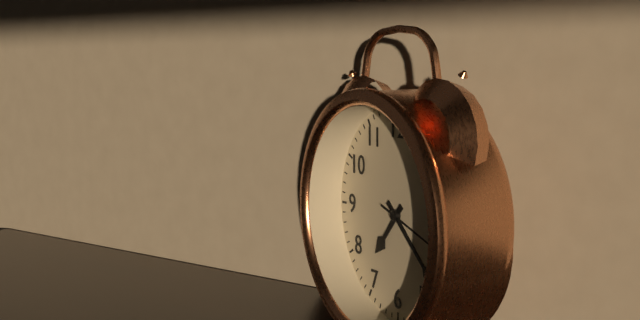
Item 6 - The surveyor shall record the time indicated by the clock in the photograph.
7:22
